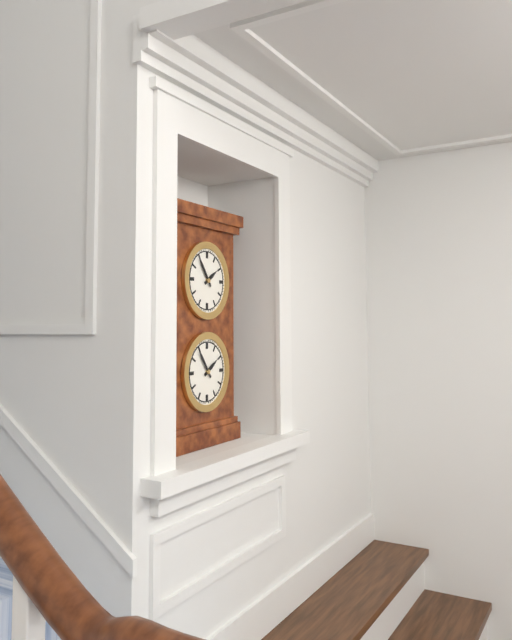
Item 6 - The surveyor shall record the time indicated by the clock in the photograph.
1:54
